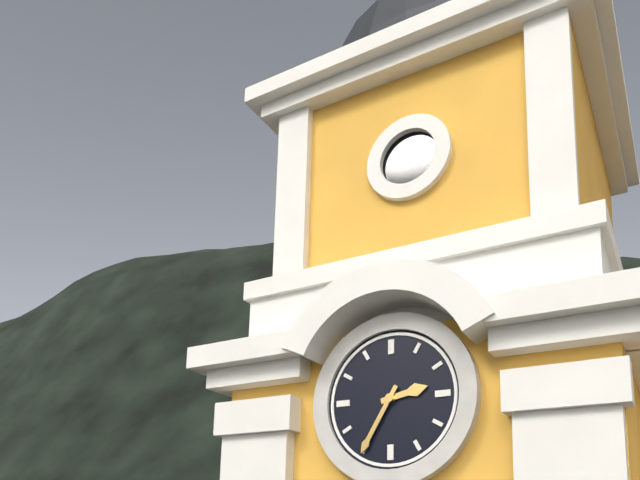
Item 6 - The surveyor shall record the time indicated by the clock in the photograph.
2:35
